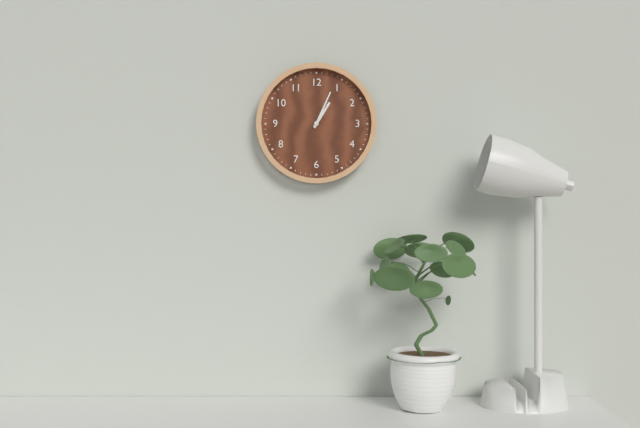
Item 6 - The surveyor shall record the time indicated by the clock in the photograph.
1:04
